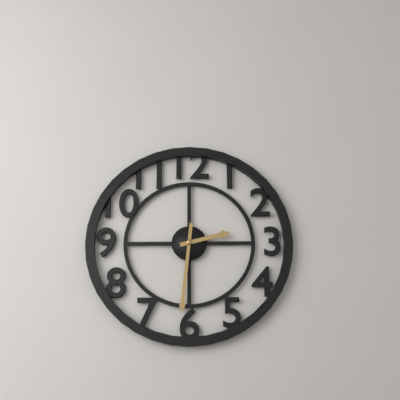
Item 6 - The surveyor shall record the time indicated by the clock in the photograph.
2:31
